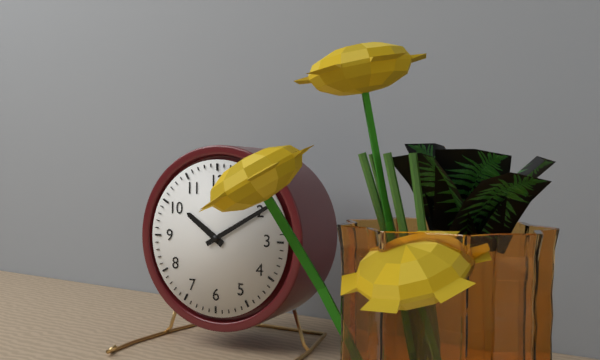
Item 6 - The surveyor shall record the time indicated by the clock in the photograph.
10:10
